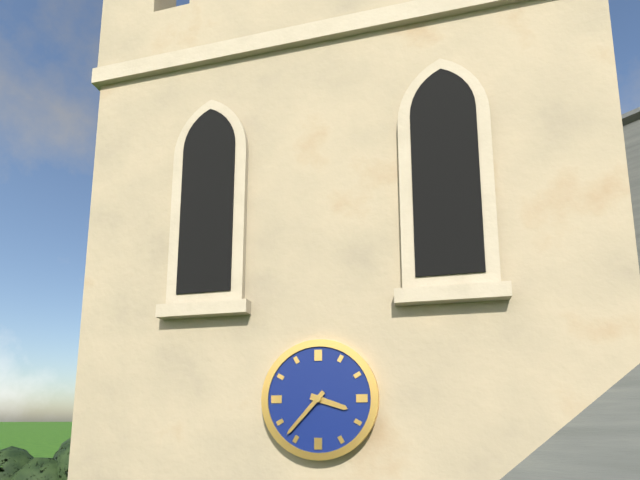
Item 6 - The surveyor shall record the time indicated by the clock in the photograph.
3:37
